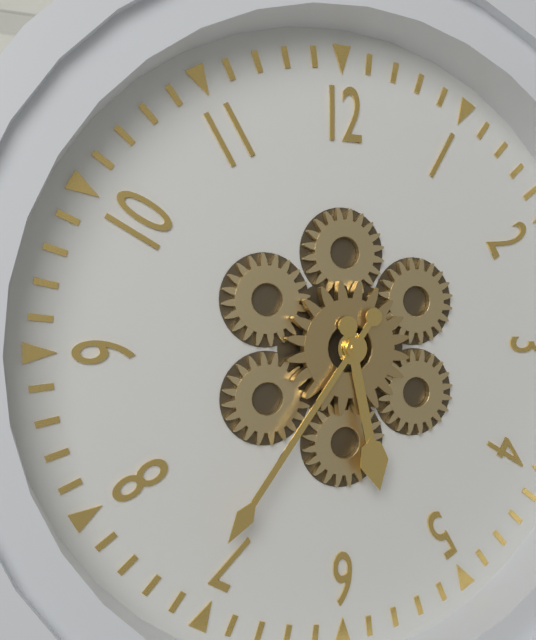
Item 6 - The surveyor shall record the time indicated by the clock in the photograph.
5:36
